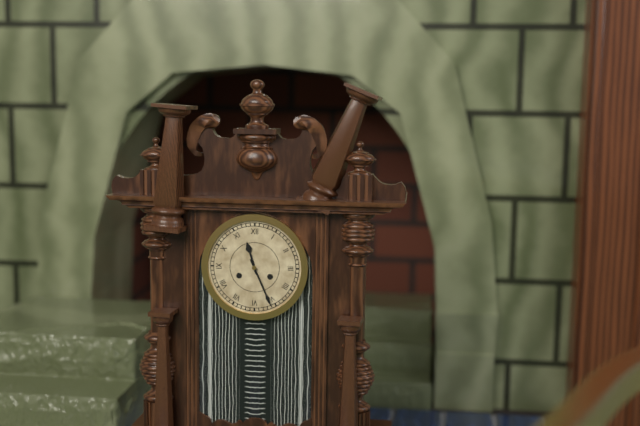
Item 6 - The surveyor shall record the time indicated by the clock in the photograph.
11:26
